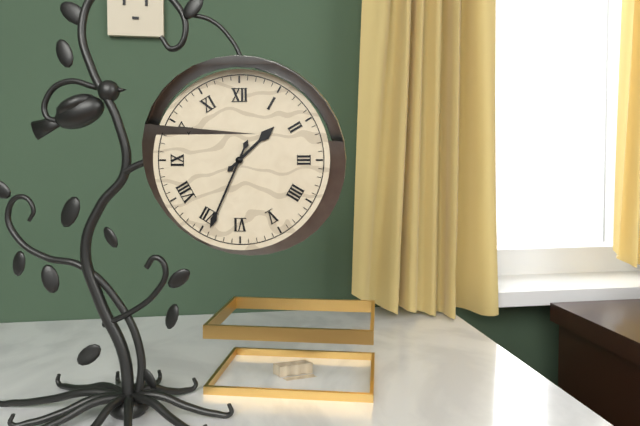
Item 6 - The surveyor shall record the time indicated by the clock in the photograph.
1:34
